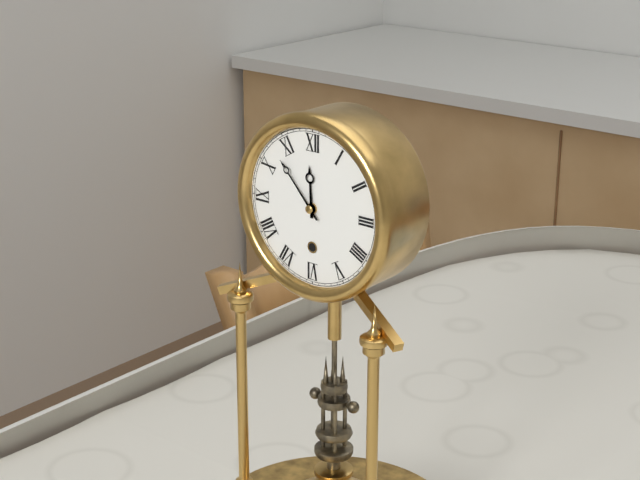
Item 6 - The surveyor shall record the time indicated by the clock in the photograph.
11:53
